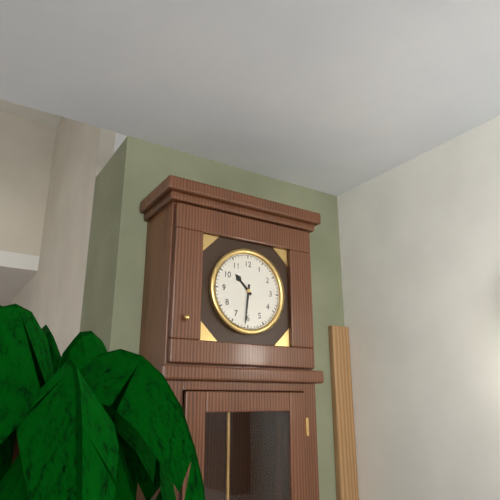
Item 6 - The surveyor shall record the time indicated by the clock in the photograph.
10:31
